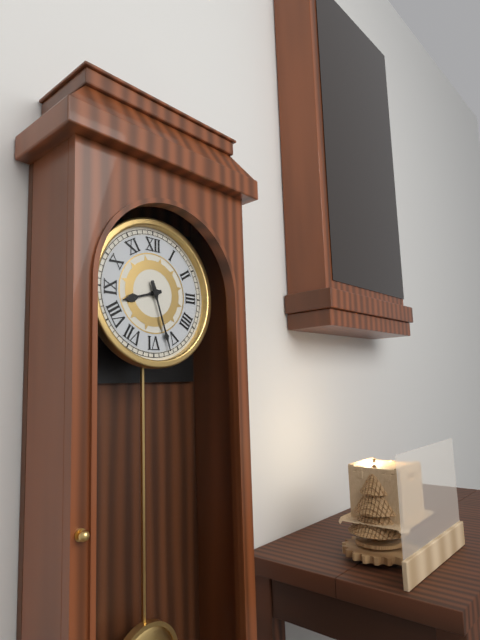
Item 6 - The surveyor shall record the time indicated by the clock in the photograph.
8:27
